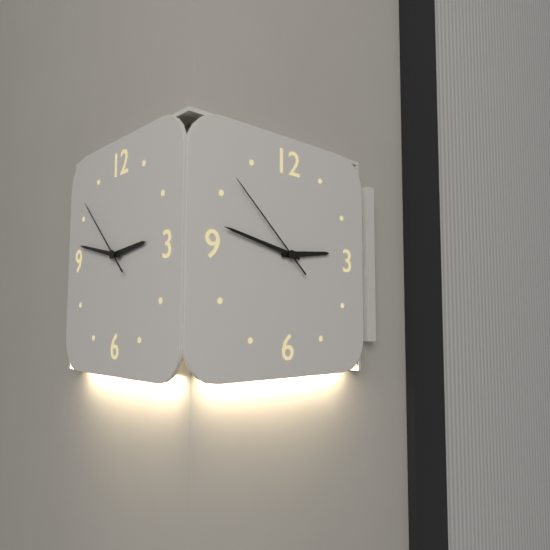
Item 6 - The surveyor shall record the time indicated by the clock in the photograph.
2:47:52
